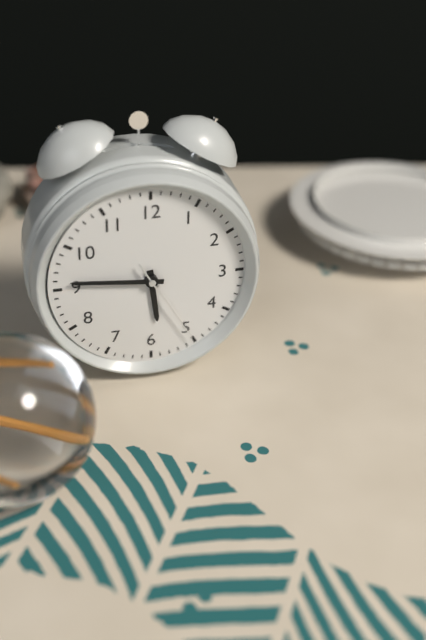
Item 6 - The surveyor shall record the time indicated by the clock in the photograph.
5:46:25
